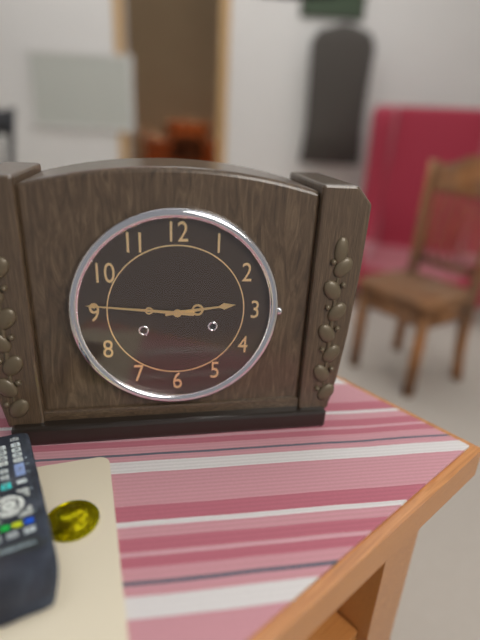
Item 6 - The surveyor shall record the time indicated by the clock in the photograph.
2:46
